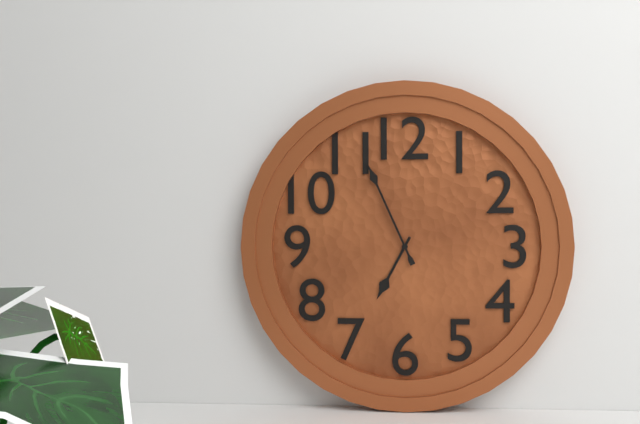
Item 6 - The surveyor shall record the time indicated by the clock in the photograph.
6:56
